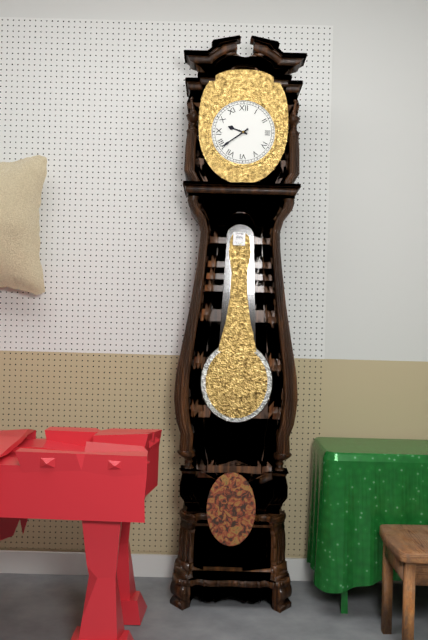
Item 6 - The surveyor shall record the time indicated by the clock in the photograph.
9:39
